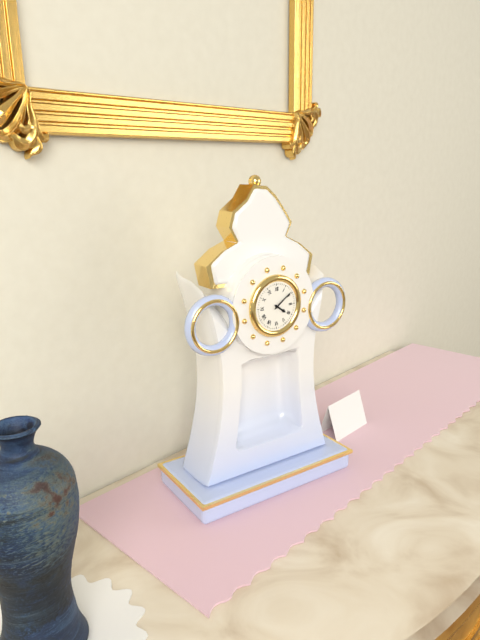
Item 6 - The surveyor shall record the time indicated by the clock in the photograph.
4:09
